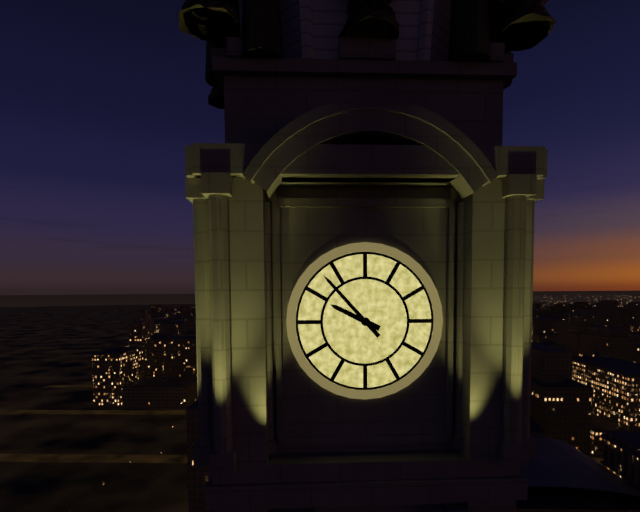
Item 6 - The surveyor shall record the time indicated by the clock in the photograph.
9:53
